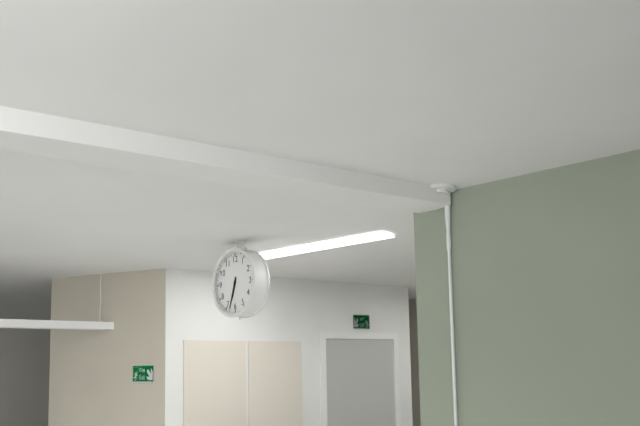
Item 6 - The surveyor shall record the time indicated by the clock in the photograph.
6:33
